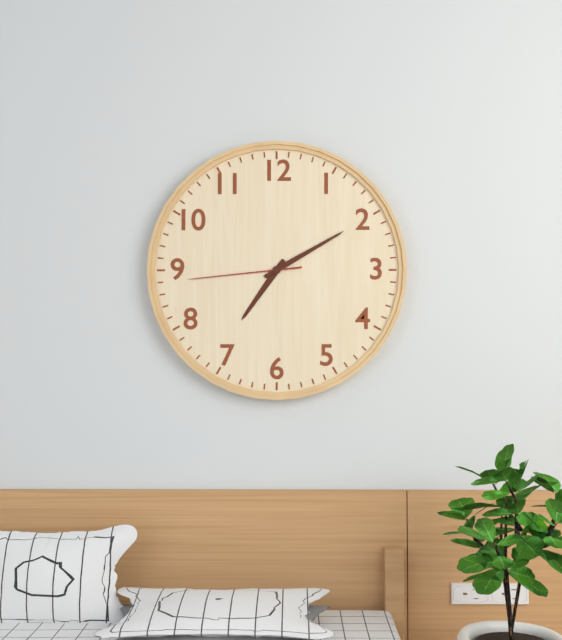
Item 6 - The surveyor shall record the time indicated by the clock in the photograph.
7:10:44
